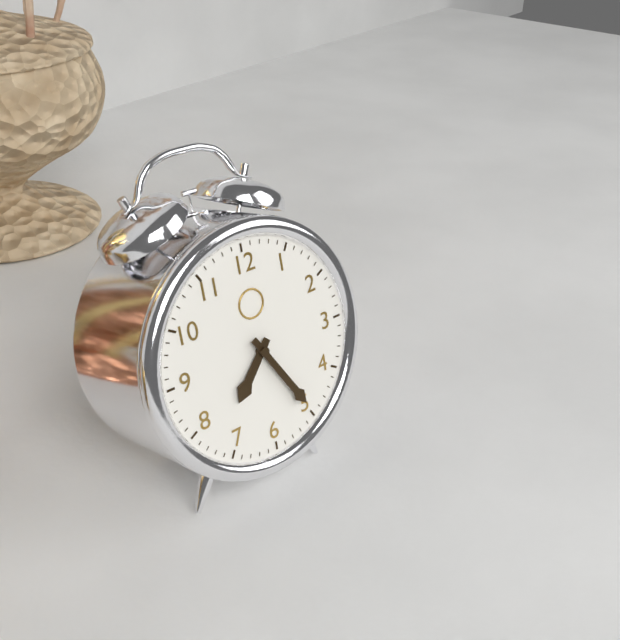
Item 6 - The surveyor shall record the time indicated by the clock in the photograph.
7:25
